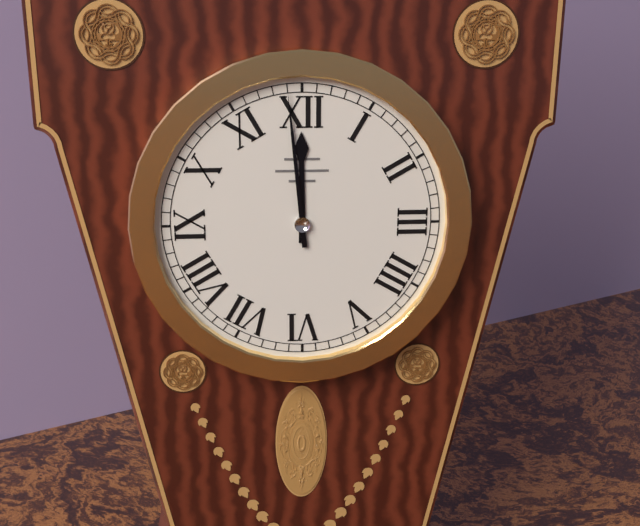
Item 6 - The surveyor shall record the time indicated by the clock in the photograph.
11:59
